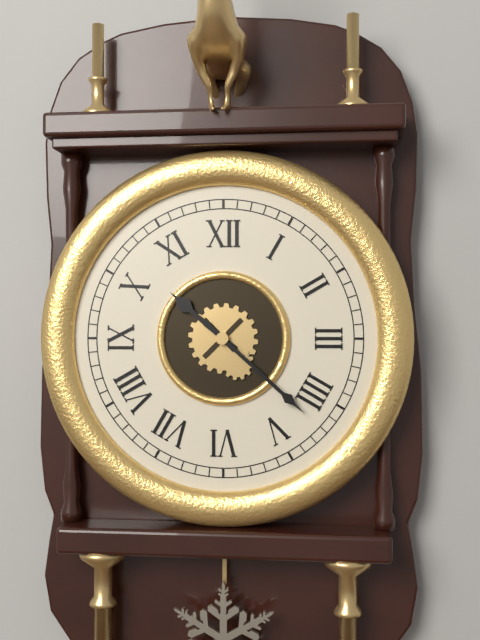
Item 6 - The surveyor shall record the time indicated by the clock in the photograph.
10:22
